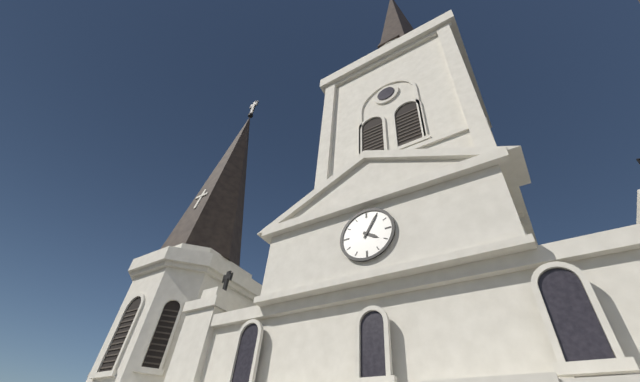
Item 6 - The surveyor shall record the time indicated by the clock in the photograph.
4:05
